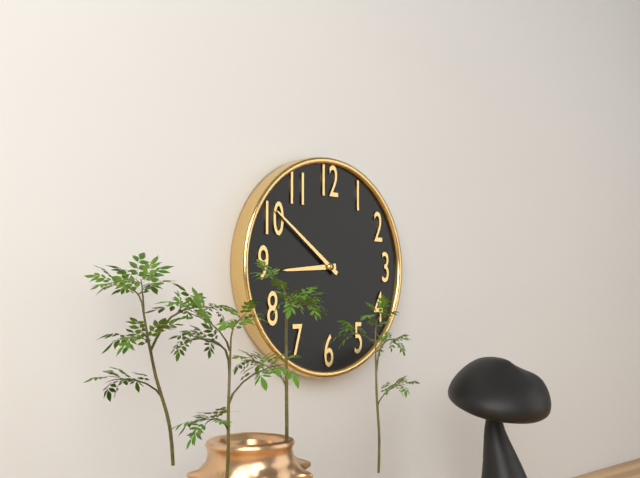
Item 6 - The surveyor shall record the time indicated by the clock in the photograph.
8:51
